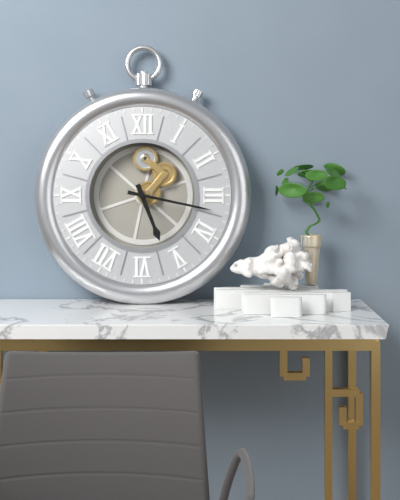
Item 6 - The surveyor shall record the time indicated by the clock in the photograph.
5:17
